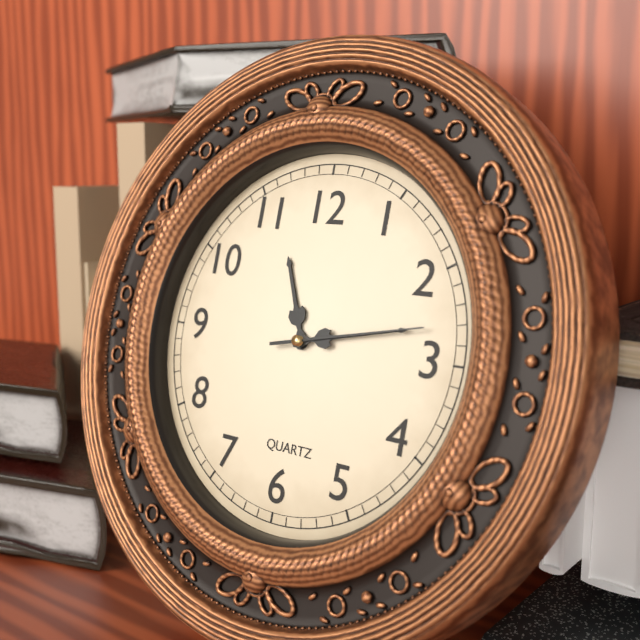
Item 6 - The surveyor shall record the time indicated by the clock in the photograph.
11:13:13
